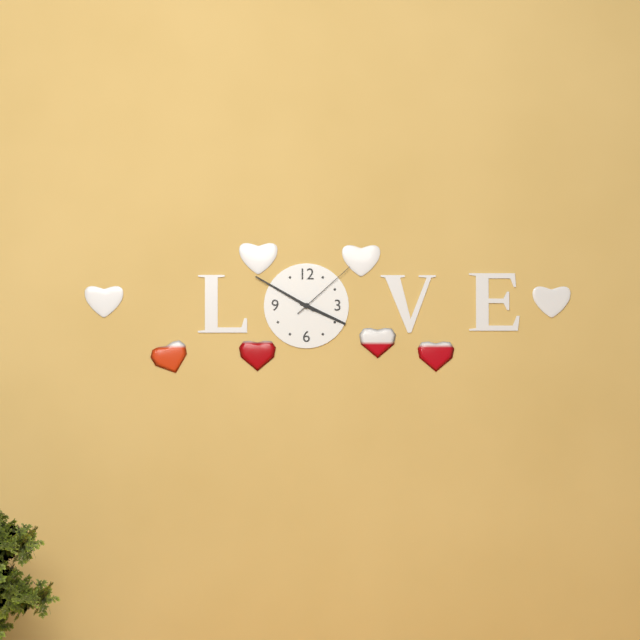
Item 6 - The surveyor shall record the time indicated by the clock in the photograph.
3:50:08
